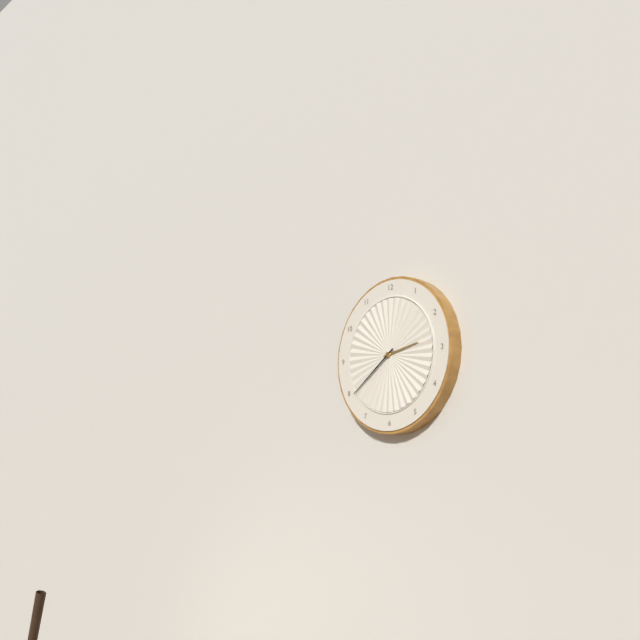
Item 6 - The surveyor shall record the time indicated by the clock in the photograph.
2:39
